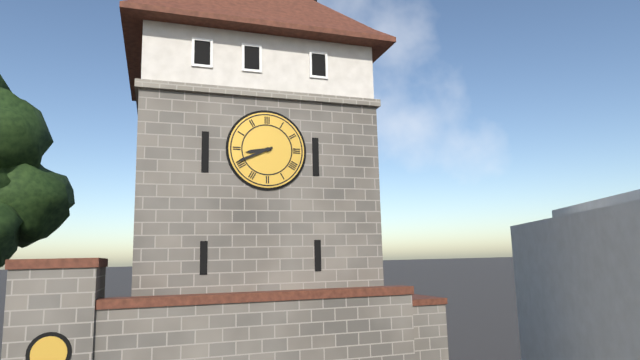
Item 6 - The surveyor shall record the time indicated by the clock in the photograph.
8:41
